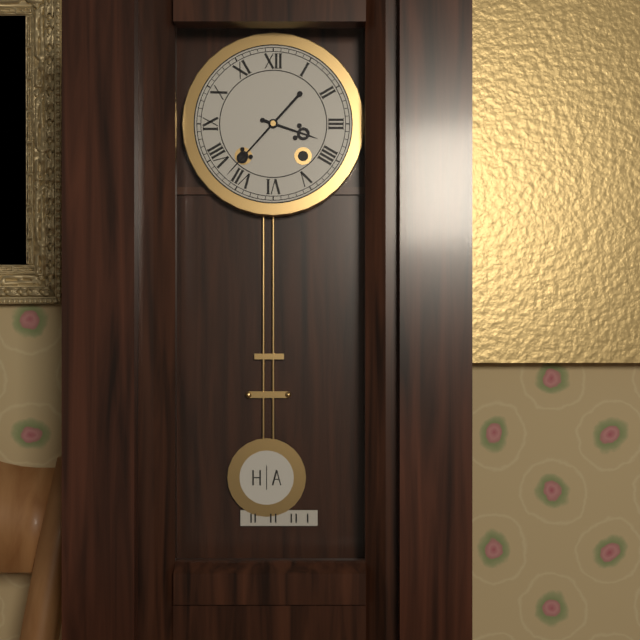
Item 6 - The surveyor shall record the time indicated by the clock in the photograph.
3:37
